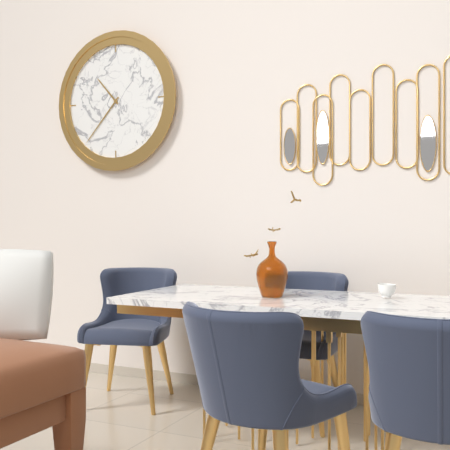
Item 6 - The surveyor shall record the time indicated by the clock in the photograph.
10:37
